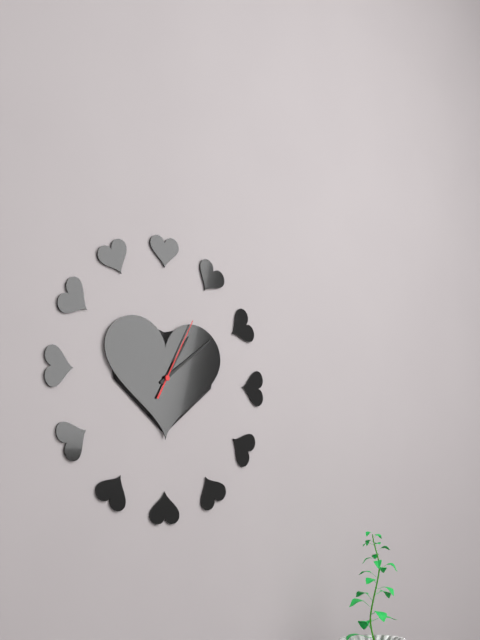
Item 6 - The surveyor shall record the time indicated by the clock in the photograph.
1:09:05
